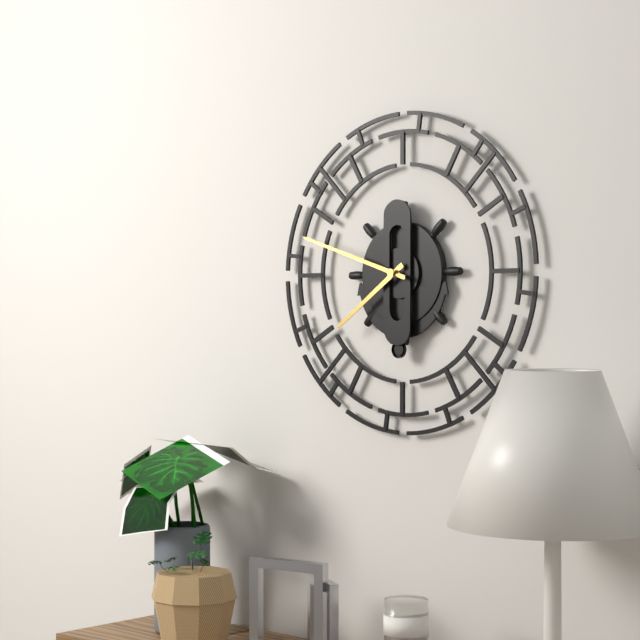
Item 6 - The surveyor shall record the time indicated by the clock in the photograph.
7:48:48
